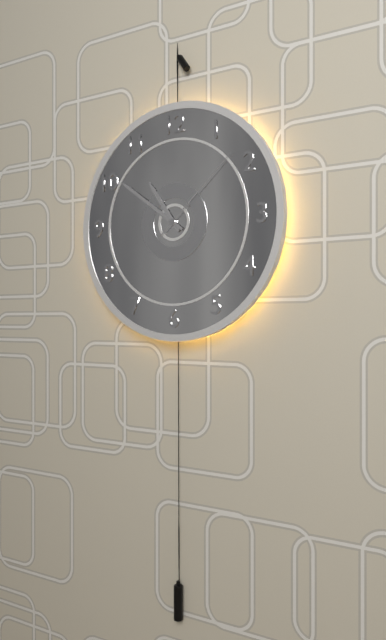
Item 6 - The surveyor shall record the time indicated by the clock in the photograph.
10:51:08
